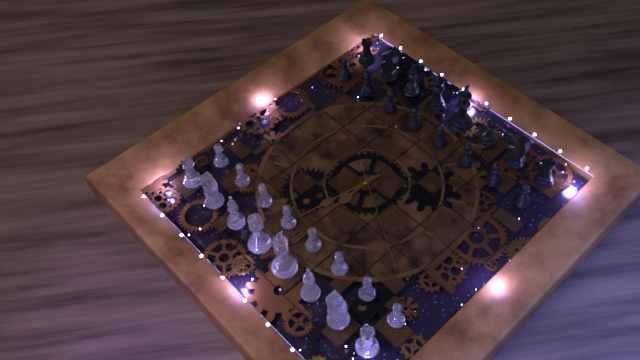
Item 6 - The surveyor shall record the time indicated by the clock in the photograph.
12:02:50
